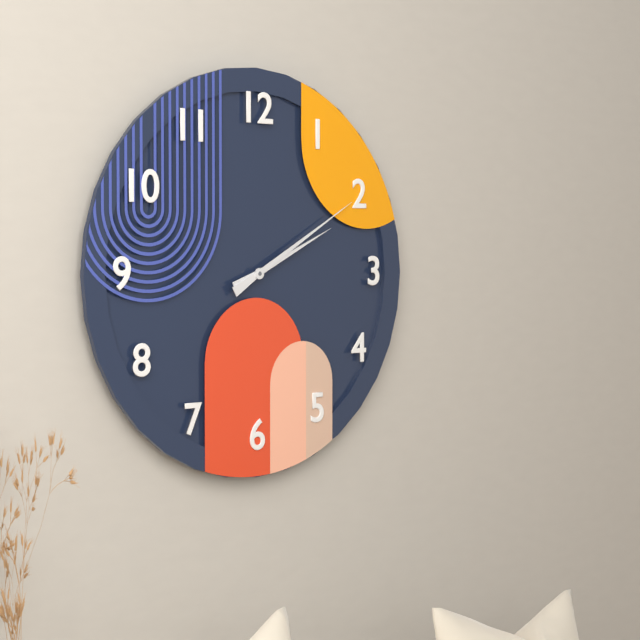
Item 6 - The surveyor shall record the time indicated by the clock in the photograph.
2:10
